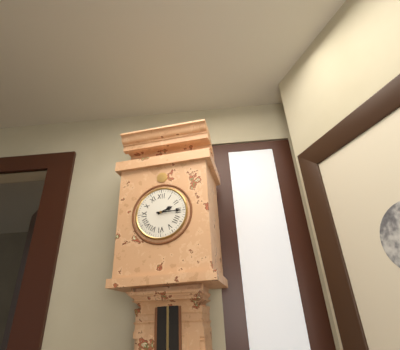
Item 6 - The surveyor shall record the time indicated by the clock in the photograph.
2:15
